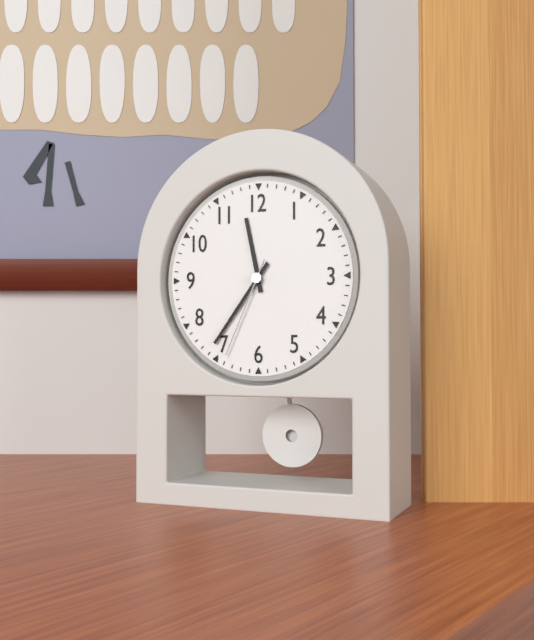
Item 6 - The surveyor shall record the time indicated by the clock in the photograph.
11:36:34
